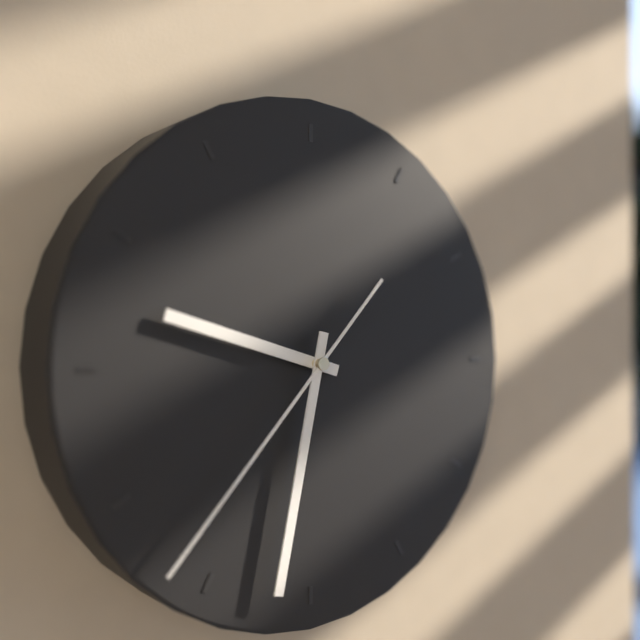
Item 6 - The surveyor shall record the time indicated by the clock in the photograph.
9:32:37
